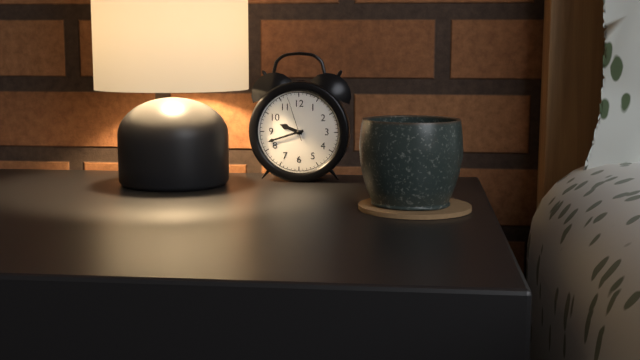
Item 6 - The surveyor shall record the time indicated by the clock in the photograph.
9:42
